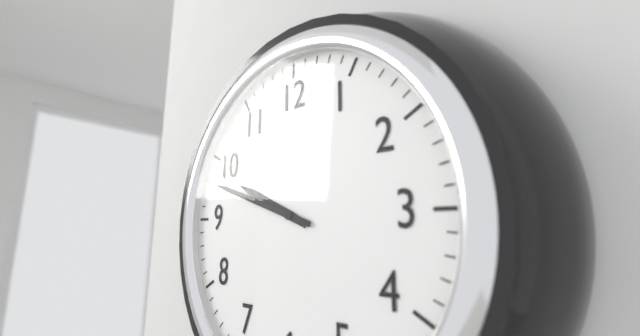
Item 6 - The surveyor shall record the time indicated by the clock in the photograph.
9:48
